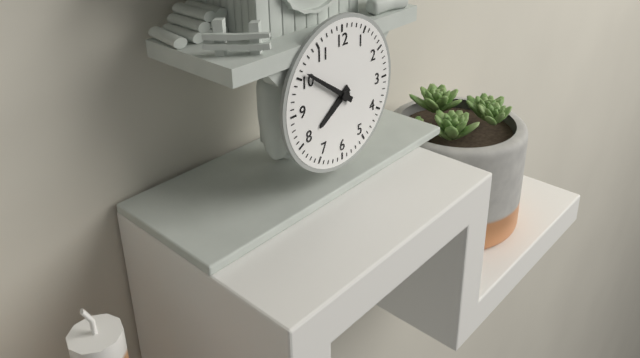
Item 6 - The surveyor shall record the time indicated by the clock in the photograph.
7:51
